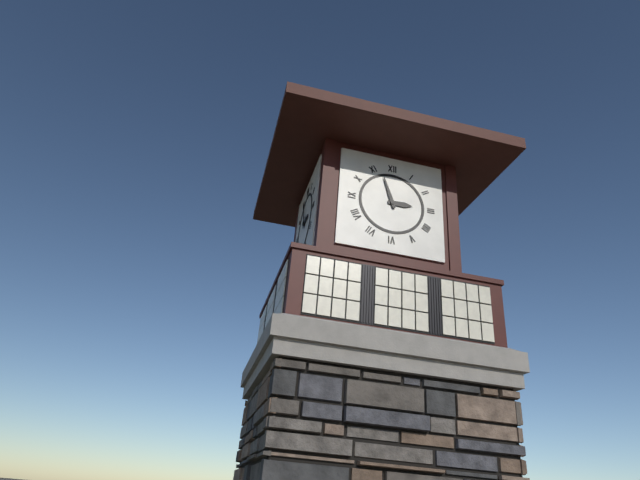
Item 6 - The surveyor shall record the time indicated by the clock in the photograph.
2:57
